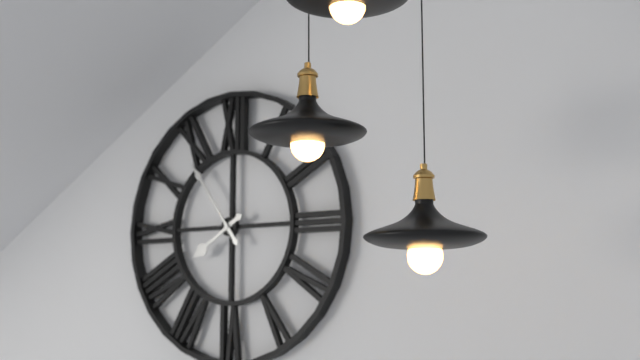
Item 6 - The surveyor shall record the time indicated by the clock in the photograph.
7:54
